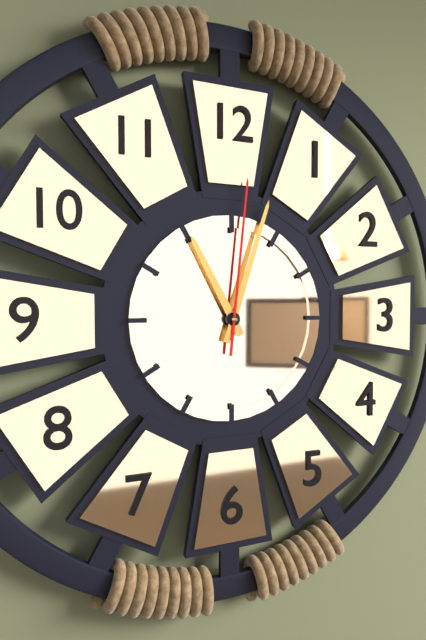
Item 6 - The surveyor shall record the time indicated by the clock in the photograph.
11:03:01
